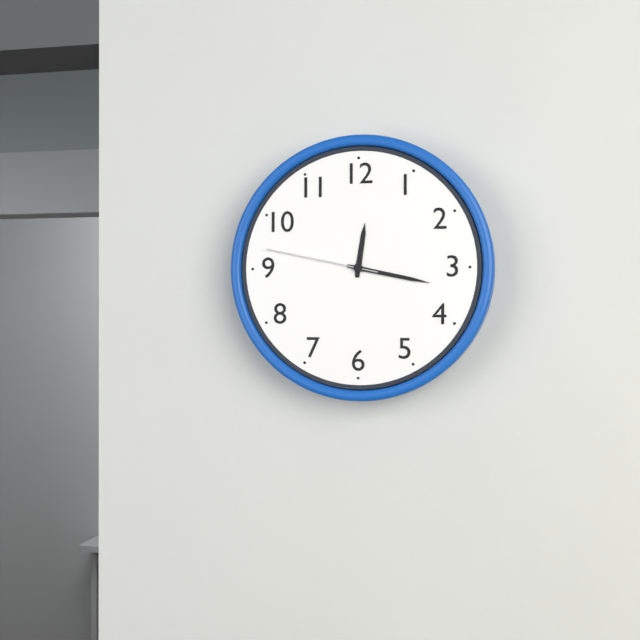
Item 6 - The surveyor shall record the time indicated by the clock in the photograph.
12:17:47
